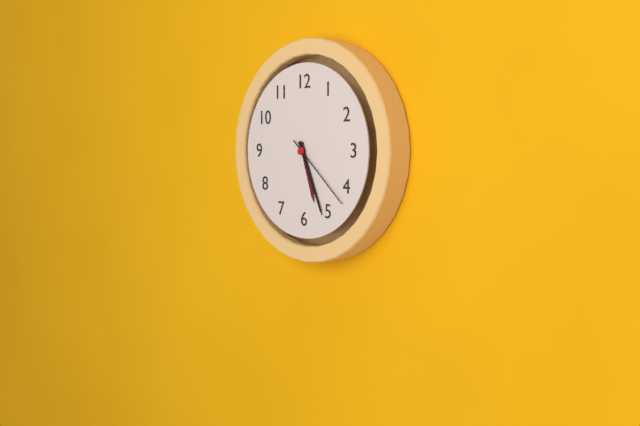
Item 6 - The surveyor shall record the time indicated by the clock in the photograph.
5:26:22
